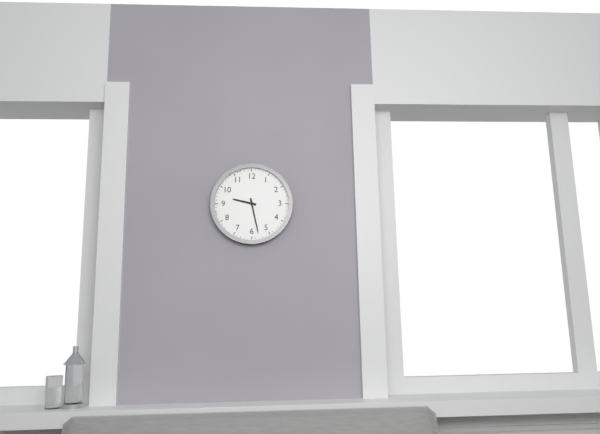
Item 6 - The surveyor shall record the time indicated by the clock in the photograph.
9:28
